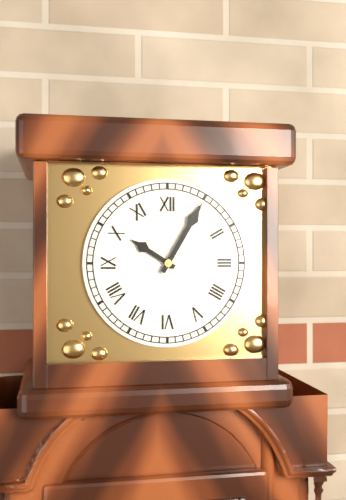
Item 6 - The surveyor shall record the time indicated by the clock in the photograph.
10:05
